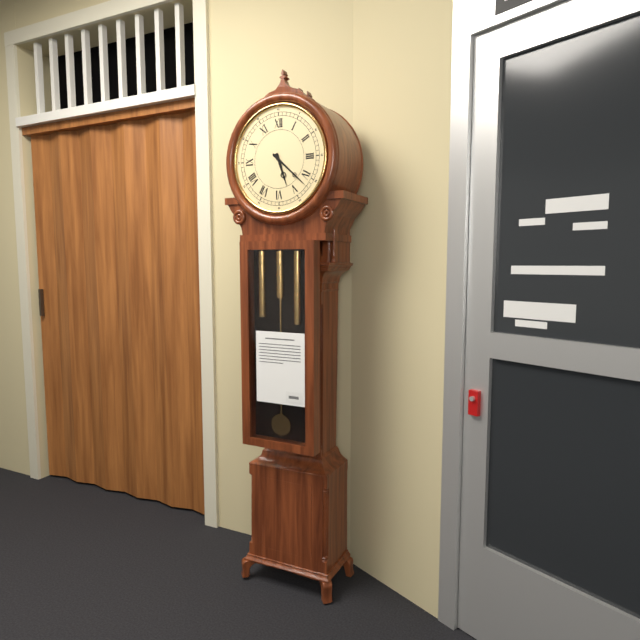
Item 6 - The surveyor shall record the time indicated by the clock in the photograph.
5:22
